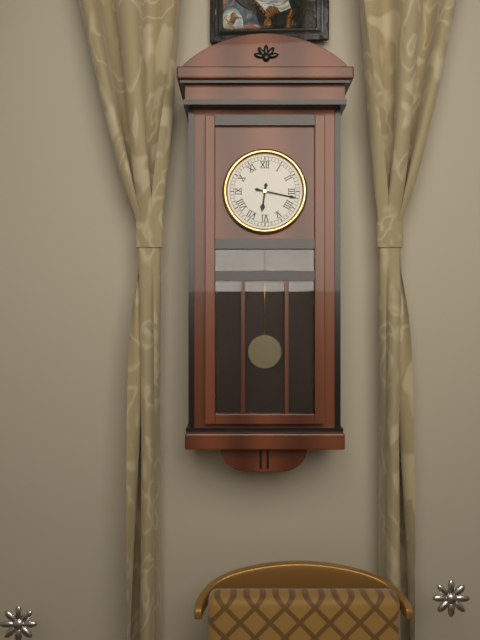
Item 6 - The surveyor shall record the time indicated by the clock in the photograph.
6:17
